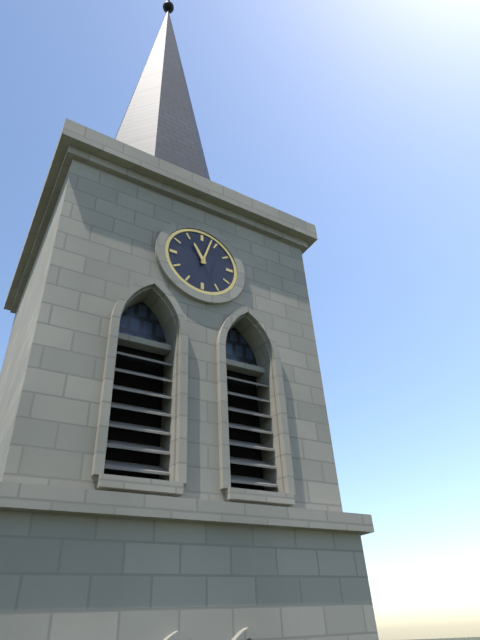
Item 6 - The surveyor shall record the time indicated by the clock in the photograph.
11:03
